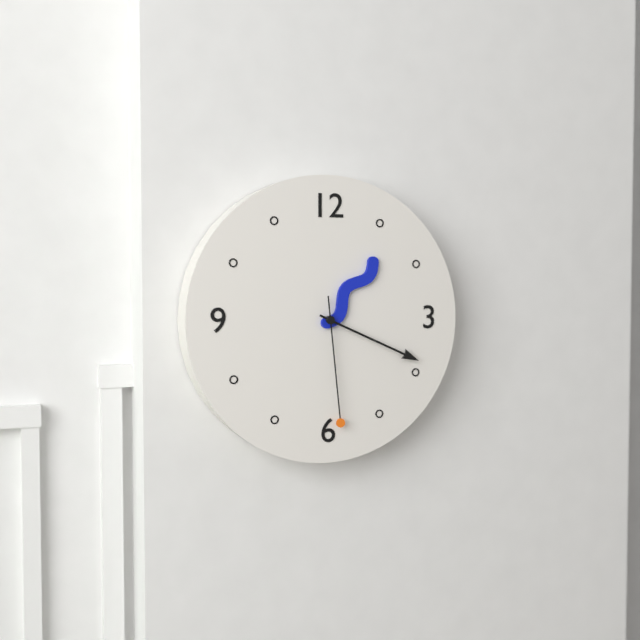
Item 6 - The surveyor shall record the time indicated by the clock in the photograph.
1:19:29
